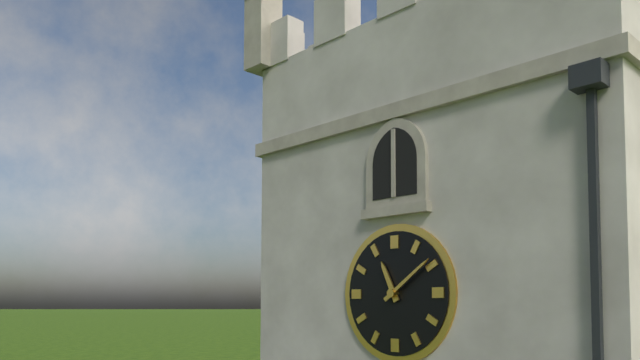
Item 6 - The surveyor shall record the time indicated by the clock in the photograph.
11:09
